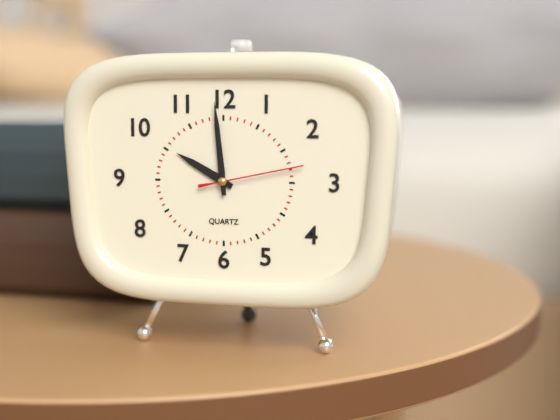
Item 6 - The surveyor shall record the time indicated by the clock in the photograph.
9:59:13
